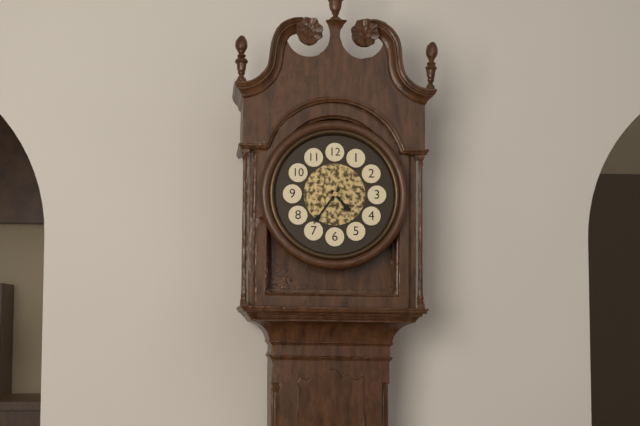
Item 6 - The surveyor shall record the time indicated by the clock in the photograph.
4:36
